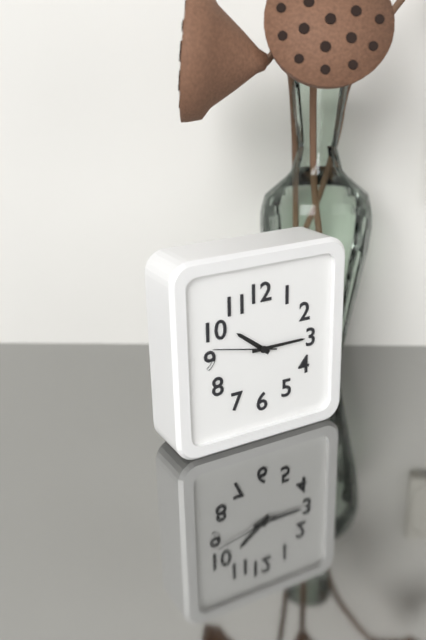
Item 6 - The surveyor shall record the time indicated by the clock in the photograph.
10:15:47
